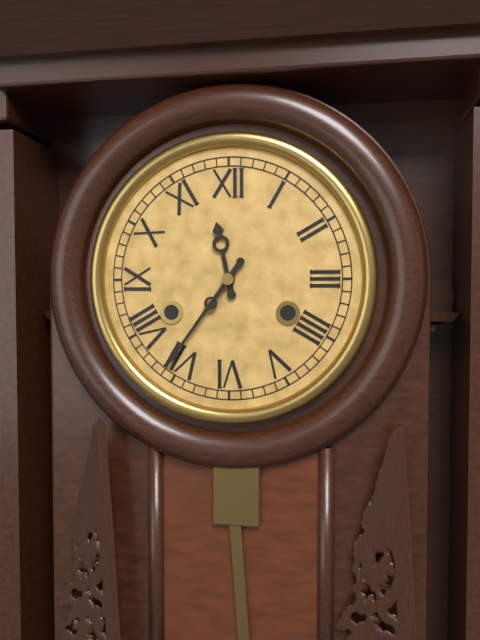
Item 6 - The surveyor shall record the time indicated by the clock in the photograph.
11:36
